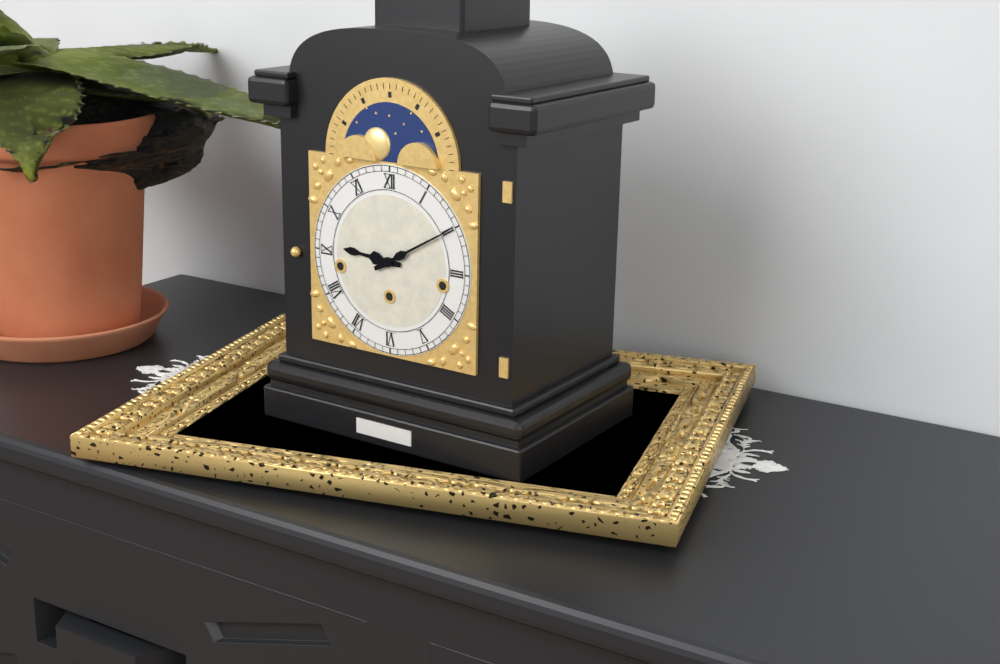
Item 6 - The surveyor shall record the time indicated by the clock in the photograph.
9:10
